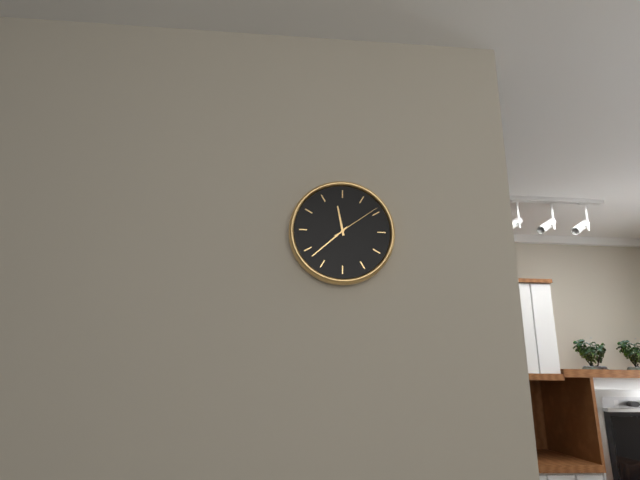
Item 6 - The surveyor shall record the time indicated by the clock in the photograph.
11:38:09
